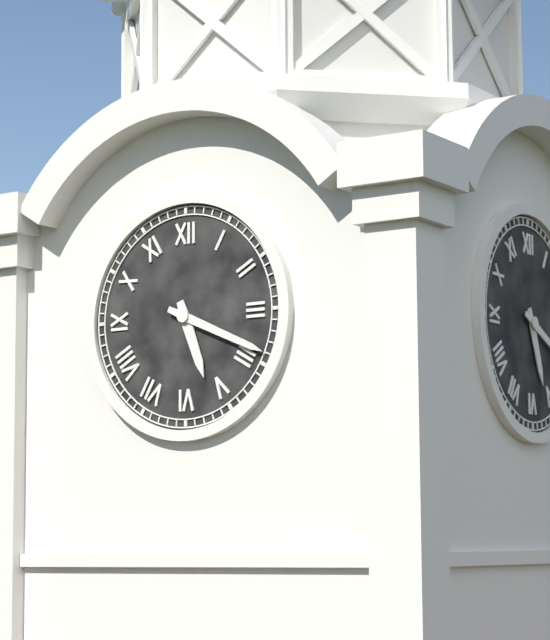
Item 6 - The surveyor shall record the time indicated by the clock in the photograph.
5:19
